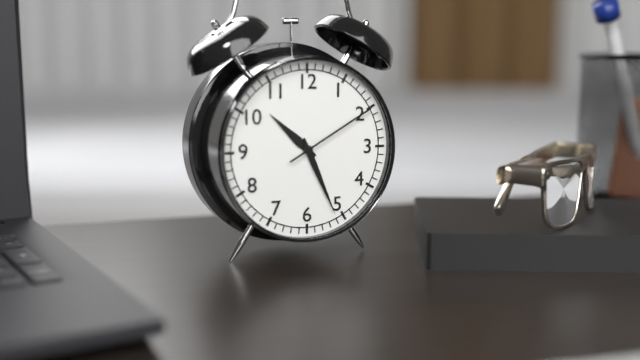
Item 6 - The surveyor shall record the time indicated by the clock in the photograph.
10:26:10
